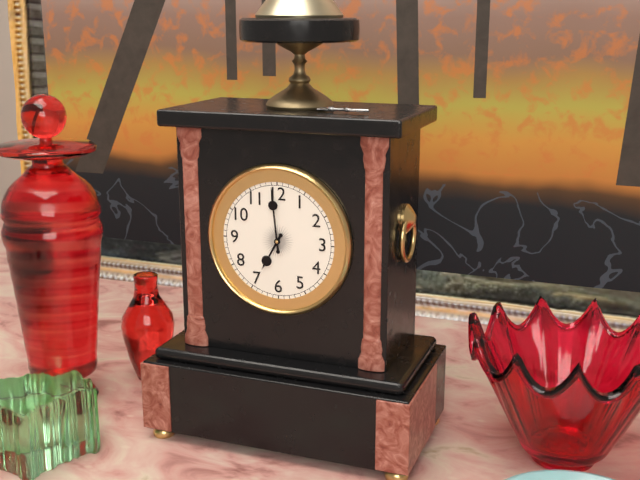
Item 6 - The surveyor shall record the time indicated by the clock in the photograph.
6:59
